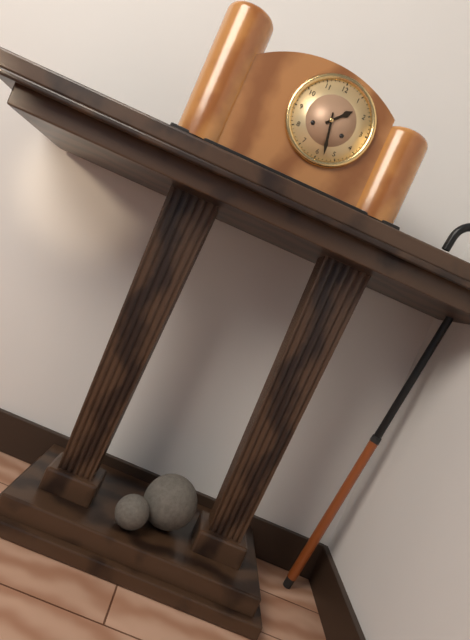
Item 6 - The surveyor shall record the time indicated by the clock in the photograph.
1:28
